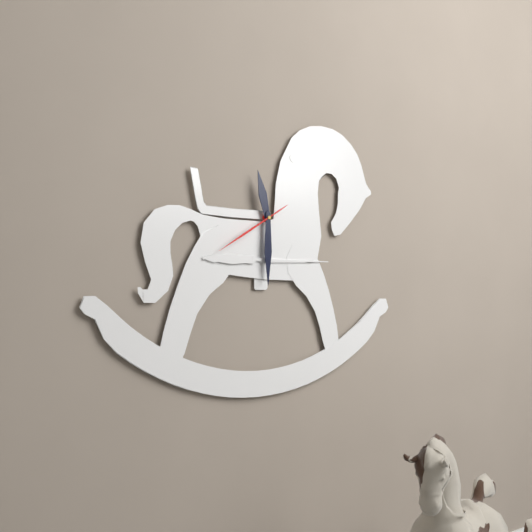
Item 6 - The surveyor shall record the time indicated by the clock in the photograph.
11:30:40
